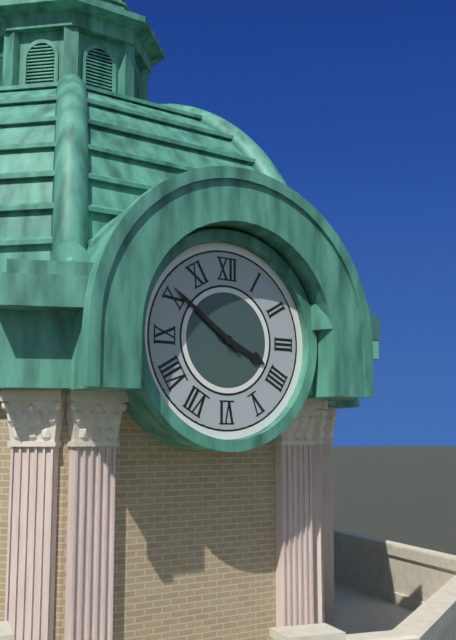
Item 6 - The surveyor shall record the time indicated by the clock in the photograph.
3:51
